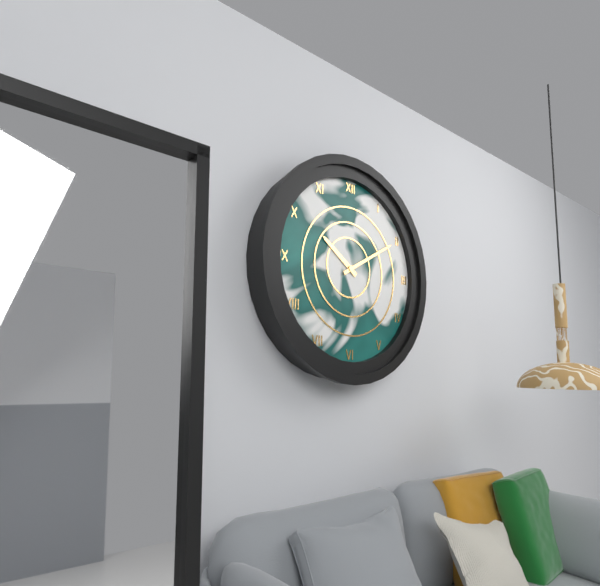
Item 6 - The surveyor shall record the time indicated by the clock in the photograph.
10:10
